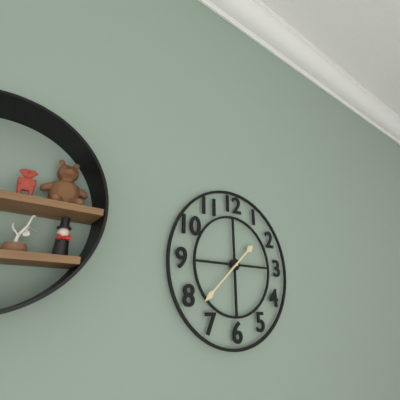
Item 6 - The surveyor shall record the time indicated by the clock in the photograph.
1:38
